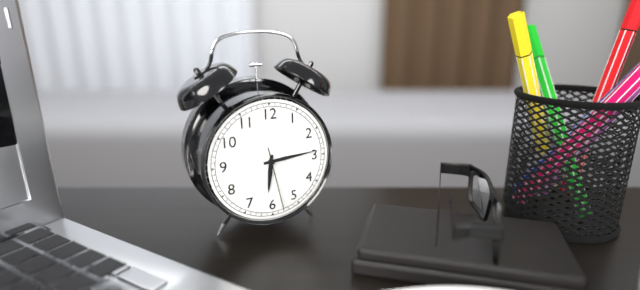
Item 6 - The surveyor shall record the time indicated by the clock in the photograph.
6:14:28
